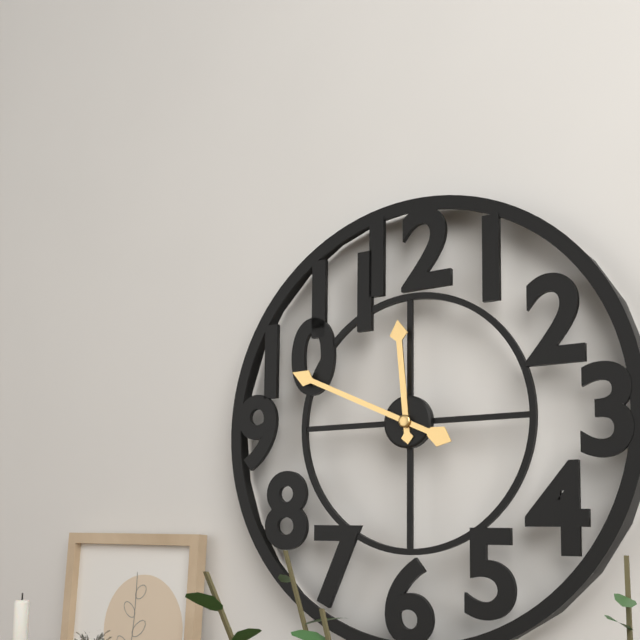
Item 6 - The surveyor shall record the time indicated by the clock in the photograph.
11:49
